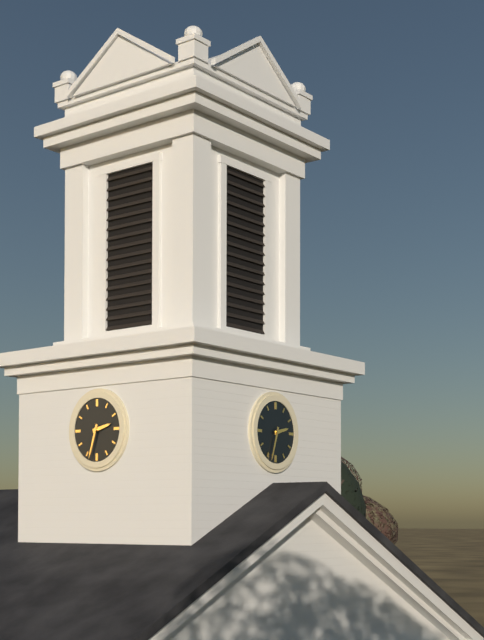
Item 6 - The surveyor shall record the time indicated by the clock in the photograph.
2:33
